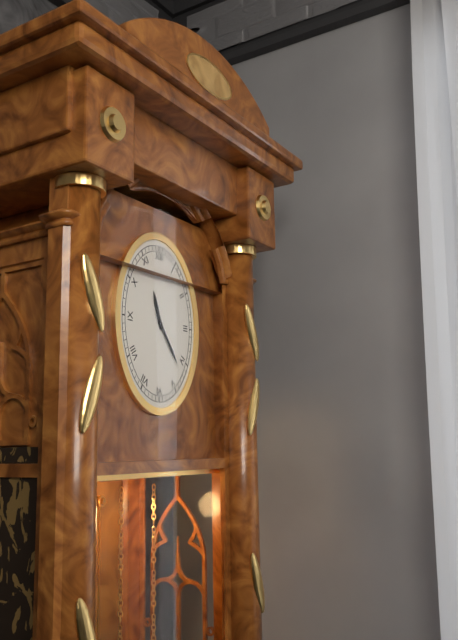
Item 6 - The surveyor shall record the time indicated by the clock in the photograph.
11:24
